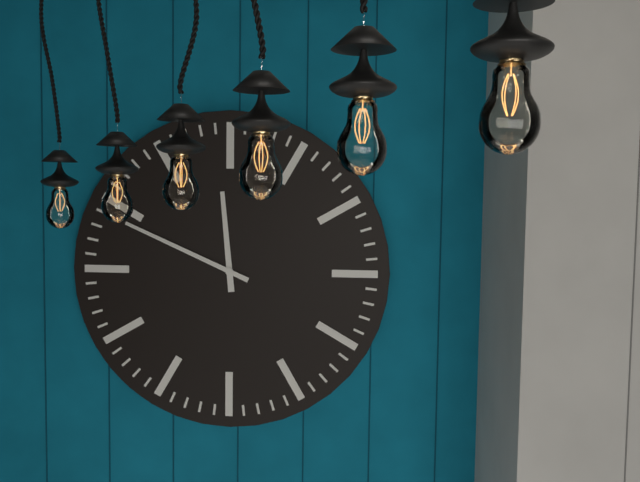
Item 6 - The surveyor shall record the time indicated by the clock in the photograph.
11:49
